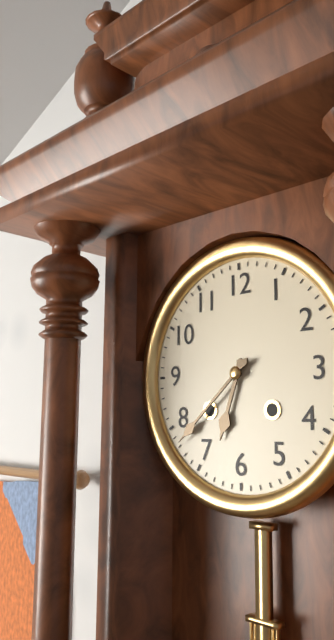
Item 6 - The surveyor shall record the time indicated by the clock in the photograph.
6:38
